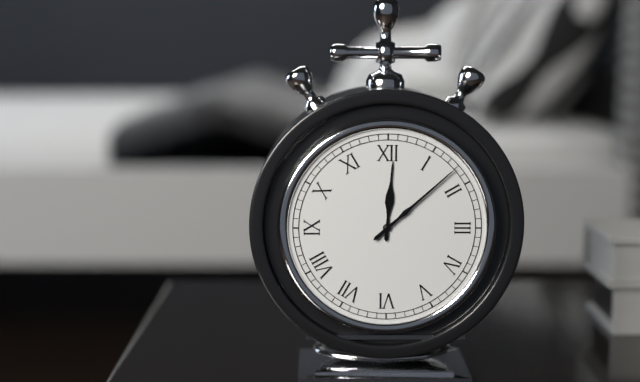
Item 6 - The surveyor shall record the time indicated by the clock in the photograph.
12:08
